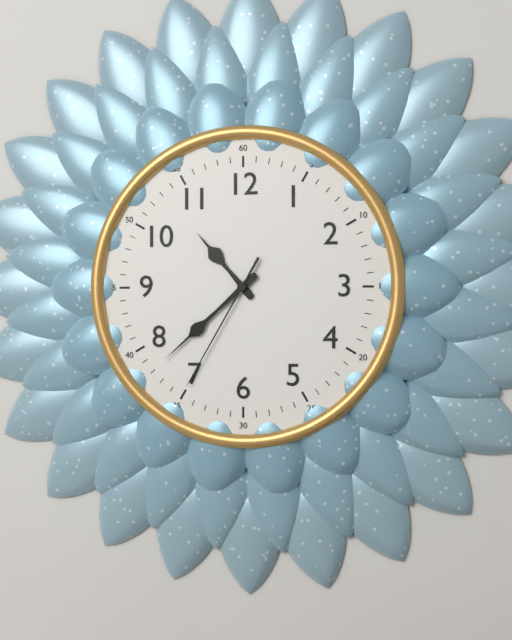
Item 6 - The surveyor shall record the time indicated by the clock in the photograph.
10:38:35
